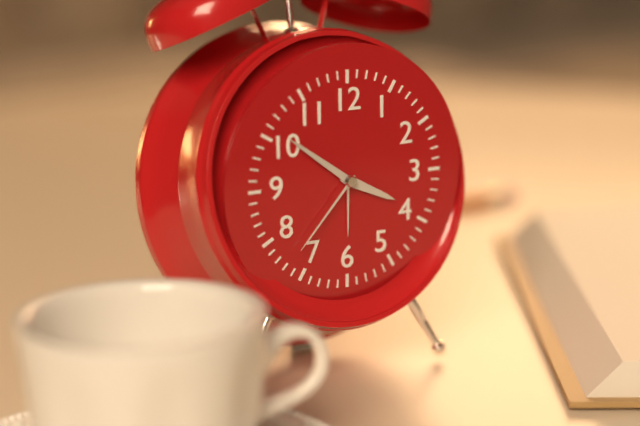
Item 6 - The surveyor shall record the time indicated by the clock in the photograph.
3:51:37
